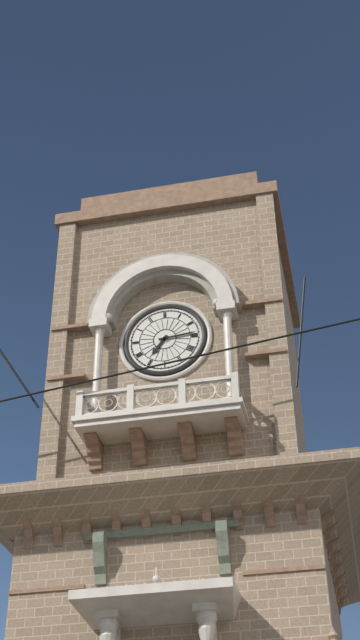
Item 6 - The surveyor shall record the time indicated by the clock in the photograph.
7:14
